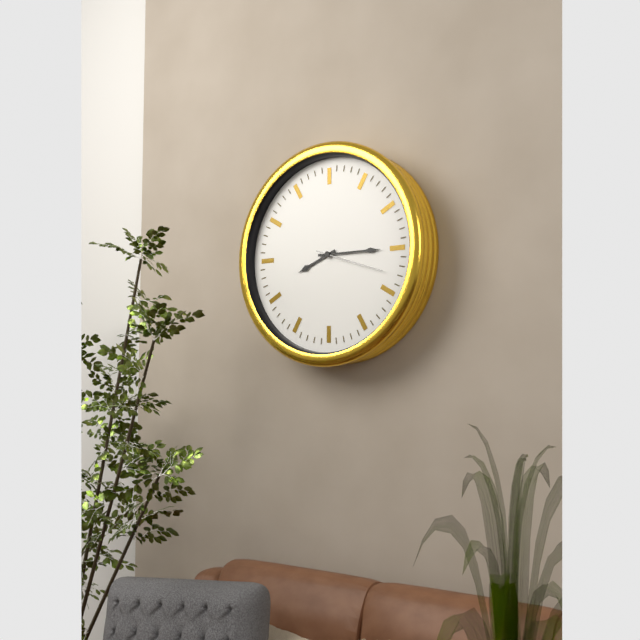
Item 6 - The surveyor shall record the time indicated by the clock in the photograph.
8:15
